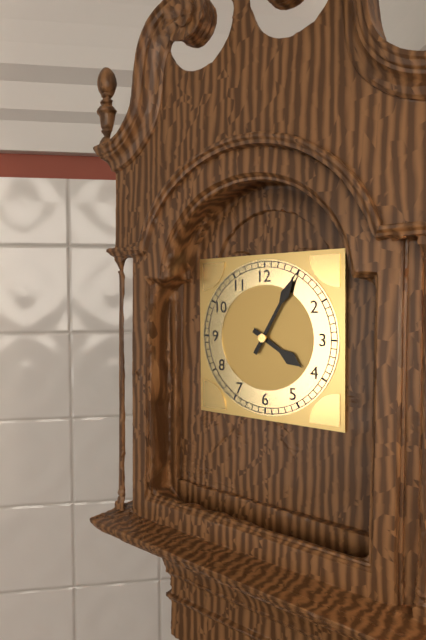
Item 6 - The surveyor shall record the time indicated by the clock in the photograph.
4:05
